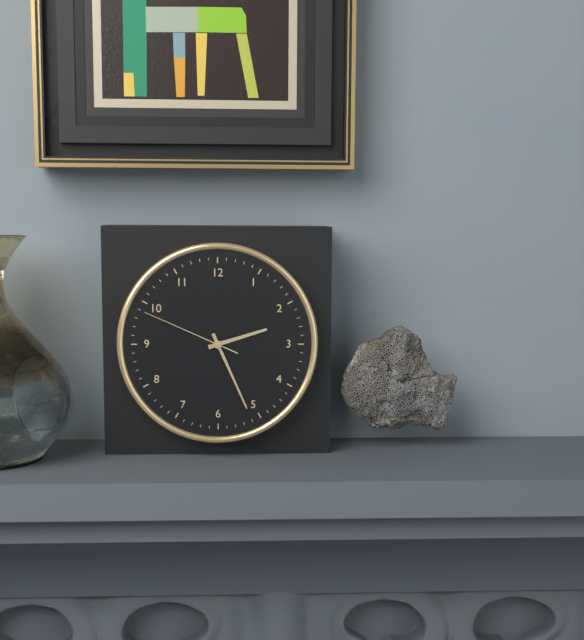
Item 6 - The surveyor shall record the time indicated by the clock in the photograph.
2:26:49
